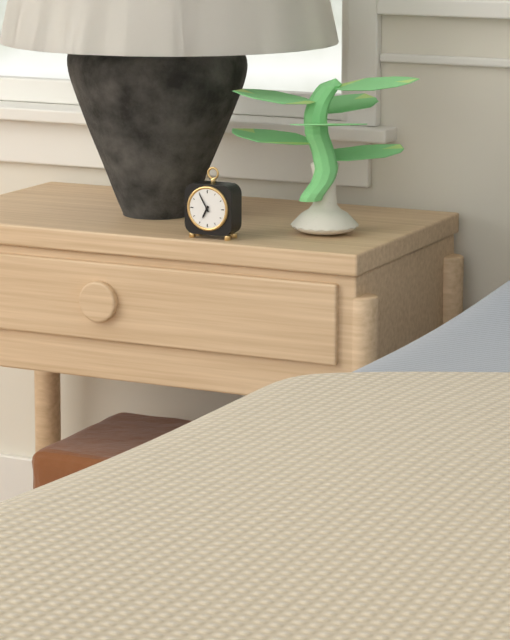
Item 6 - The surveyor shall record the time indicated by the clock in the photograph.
6:55
